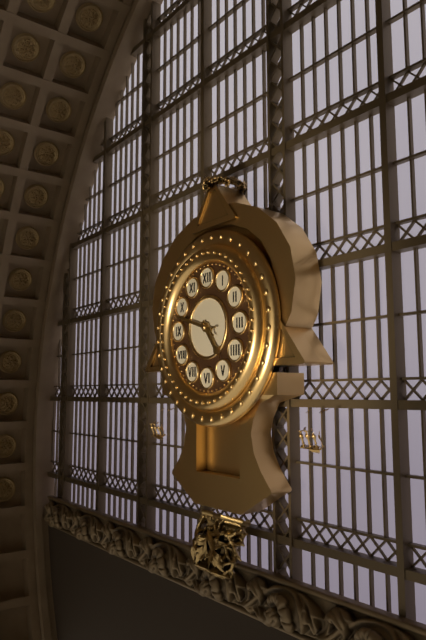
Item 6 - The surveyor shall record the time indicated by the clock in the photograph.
4:48
